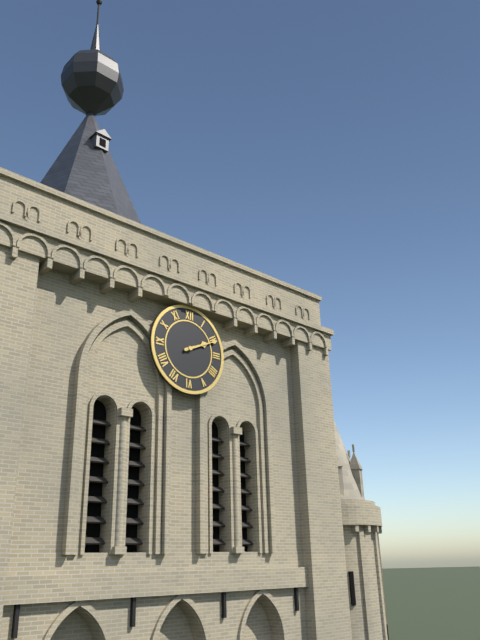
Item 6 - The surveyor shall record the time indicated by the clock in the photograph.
2:11
